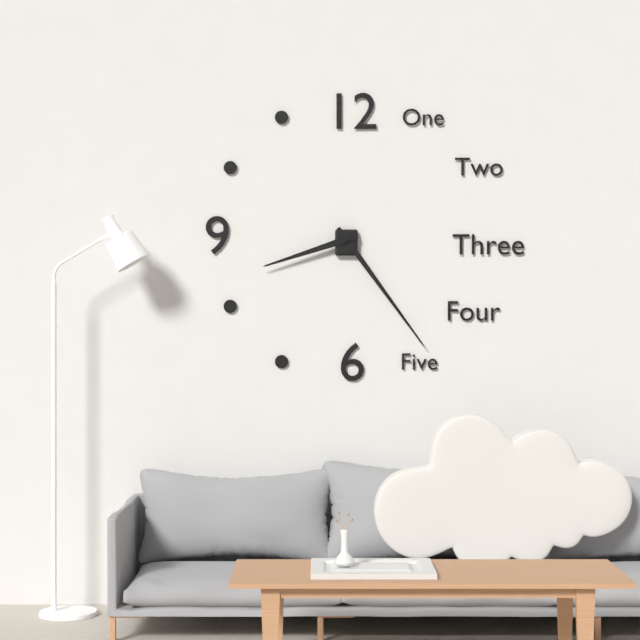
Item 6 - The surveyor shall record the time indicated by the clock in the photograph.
8:24
